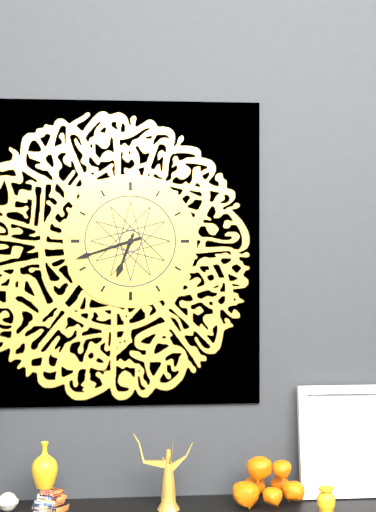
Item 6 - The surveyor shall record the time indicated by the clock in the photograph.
6:42
